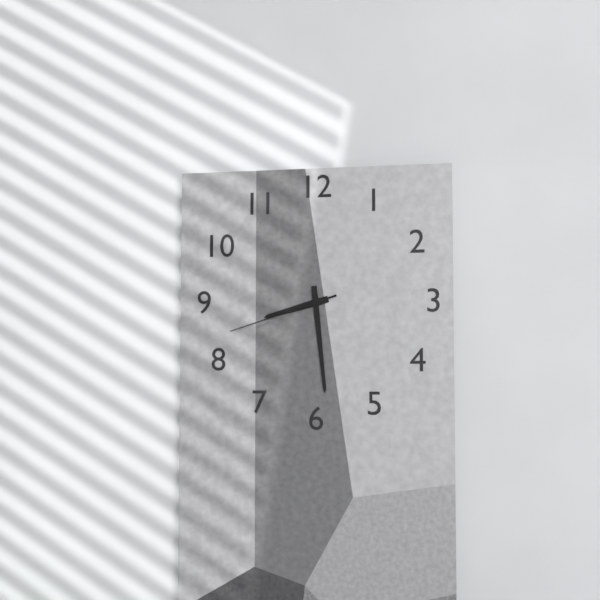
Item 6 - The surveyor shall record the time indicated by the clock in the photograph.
8:29:42
